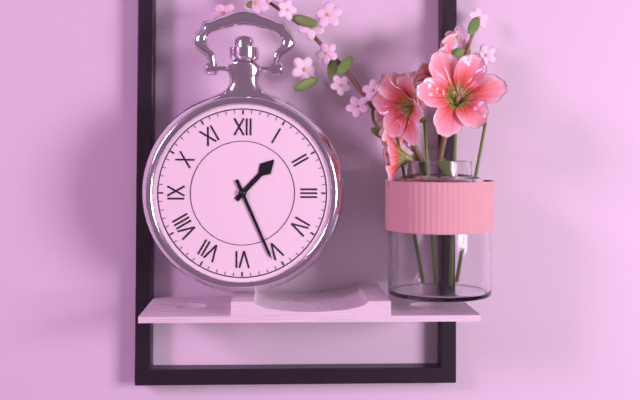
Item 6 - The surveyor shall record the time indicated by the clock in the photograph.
1:26
